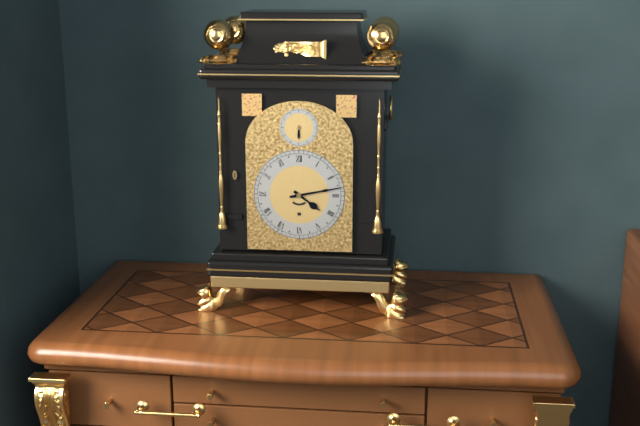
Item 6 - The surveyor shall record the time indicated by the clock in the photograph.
4:13
